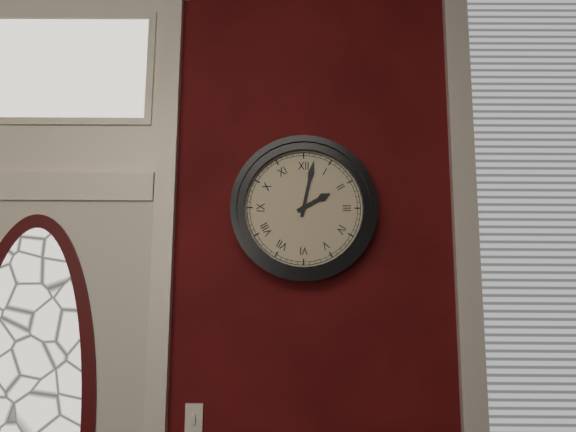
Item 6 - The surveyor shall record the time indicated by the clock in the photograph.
2:02
